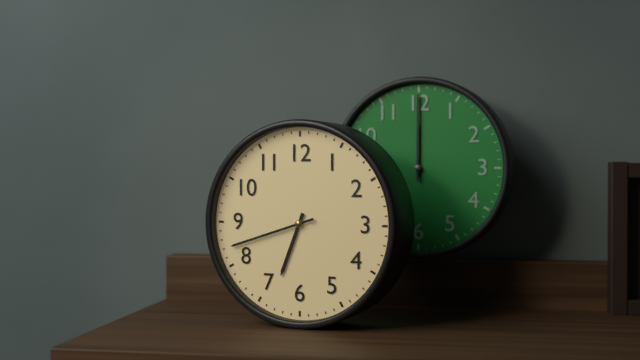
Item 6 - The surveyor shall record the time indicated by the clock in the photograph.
6:42
